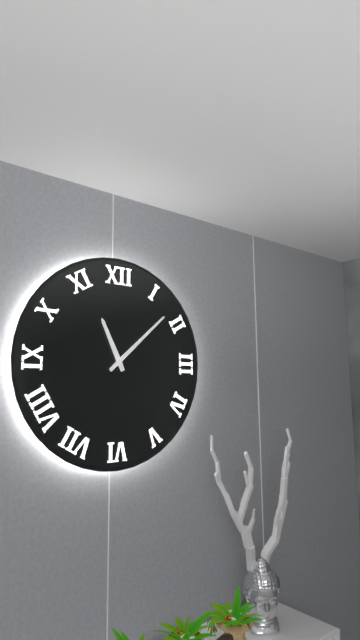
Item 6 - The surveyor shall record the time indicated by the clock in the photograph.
11:08
